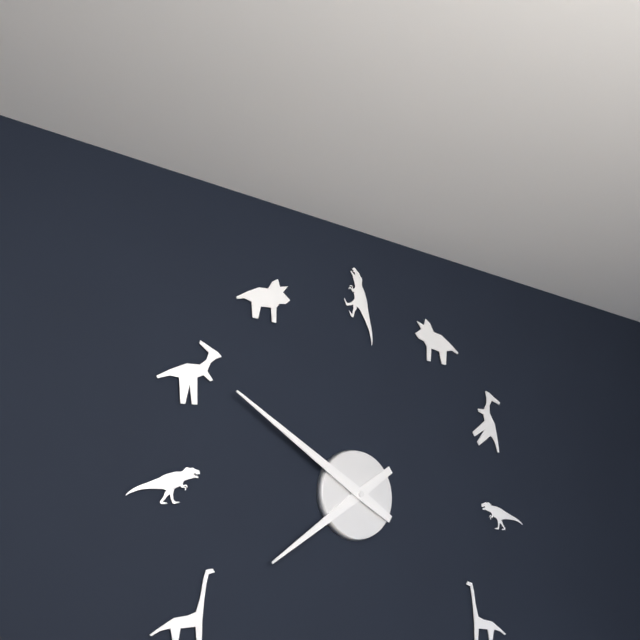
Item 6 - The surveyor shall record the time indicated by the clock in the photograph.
7:50
